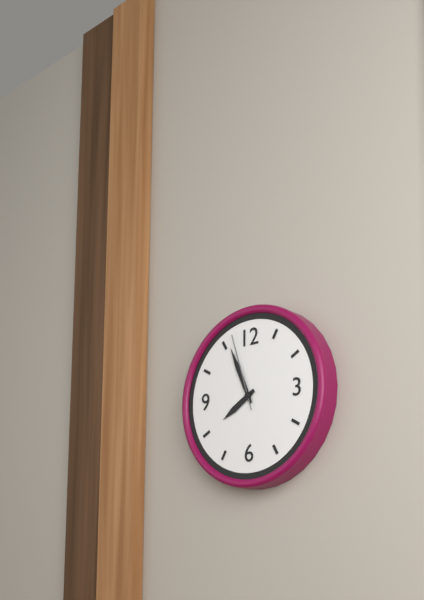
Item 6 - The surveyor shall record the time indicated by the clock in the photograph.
7:56:57
